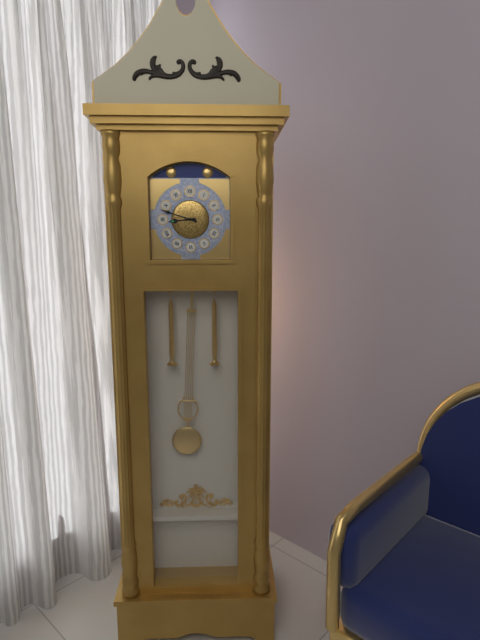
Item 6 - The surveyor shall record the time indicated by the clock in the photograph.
8:48
